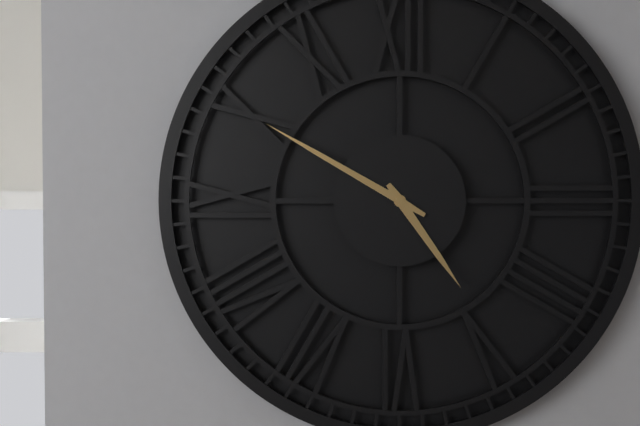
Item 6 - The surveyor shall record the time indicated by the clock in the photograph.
4:50
